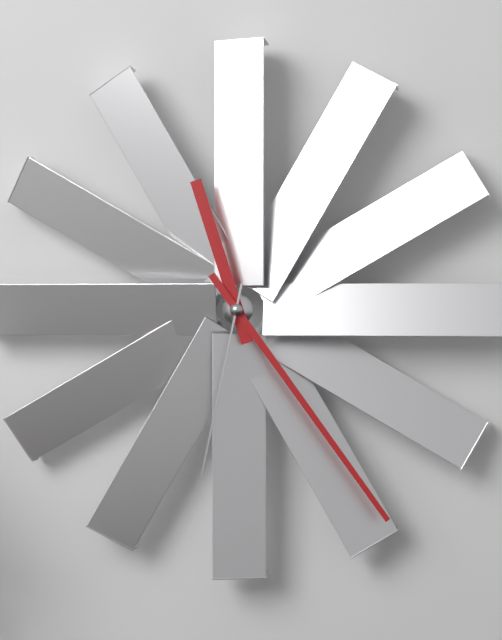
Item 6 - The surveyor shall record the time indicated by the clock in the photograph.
11:24:32
